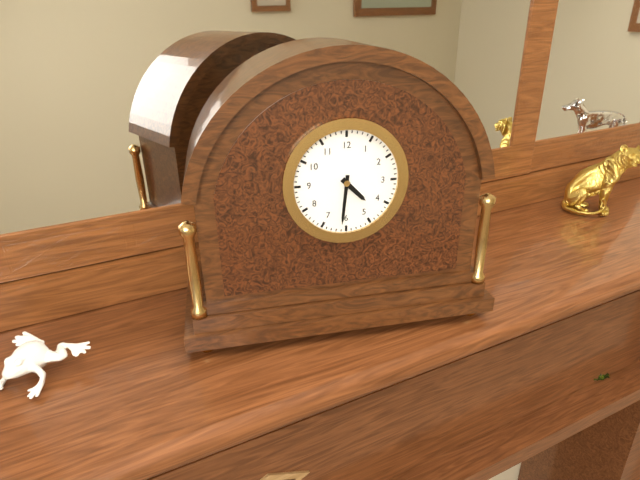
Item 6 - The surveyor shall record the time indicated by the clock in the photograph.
4:31
